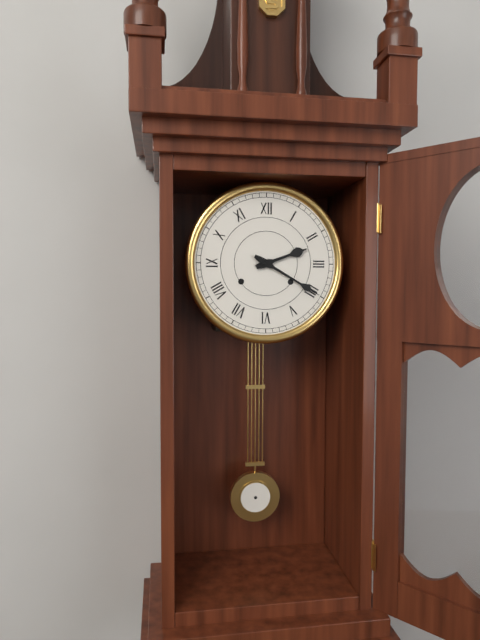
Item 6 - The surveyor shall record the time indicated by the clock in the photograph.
2:20
